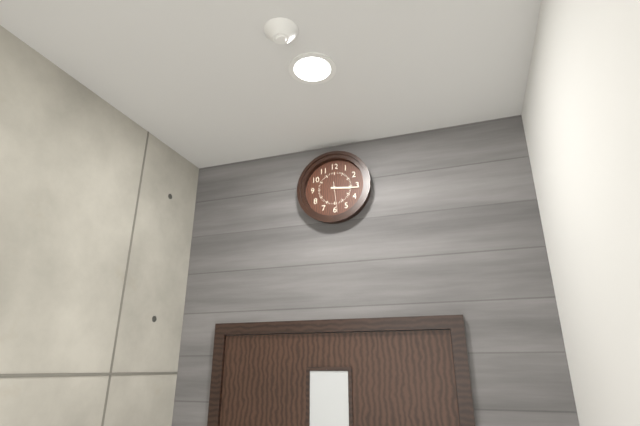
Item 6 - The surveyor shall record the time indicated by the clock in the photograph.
3:16
